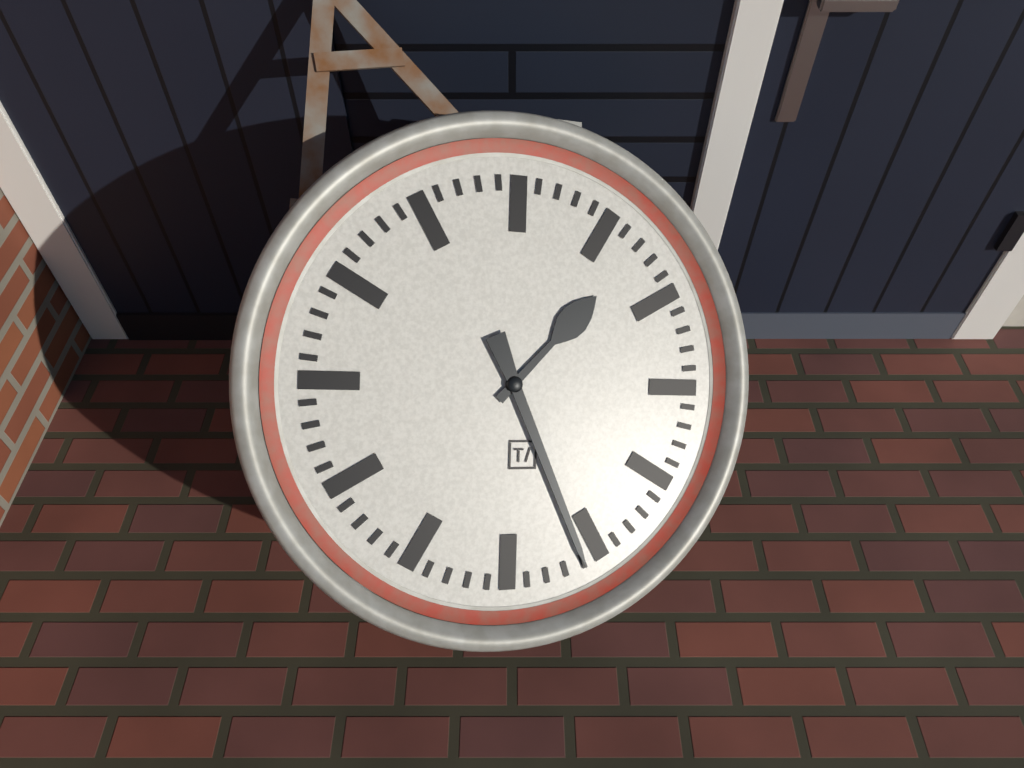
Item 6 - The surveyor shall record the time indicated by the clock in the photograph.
1:26
